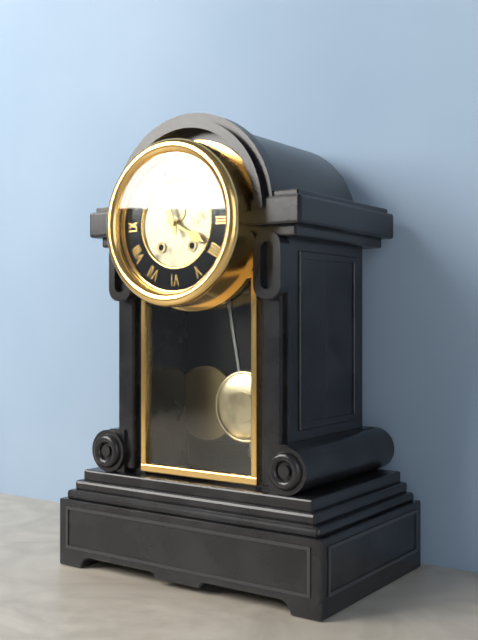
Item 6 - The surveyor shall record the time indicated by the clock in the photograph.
3:57
